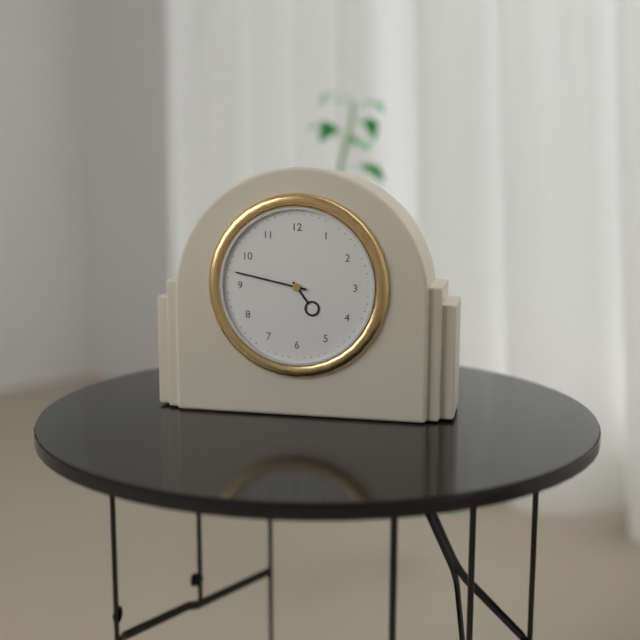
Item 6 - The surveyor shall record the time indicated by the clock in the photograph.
4:47
